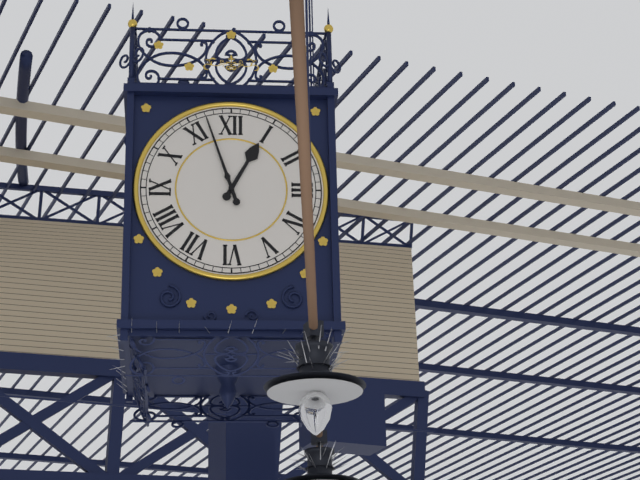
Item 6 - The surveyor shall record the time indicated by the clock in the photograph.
12:57
